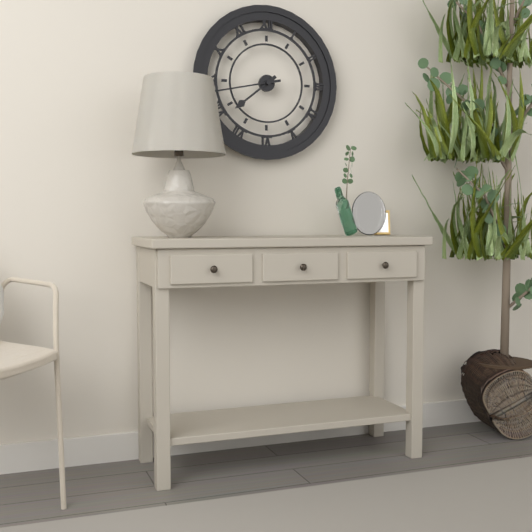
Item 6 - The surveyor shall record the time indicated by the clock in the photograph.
7:43
